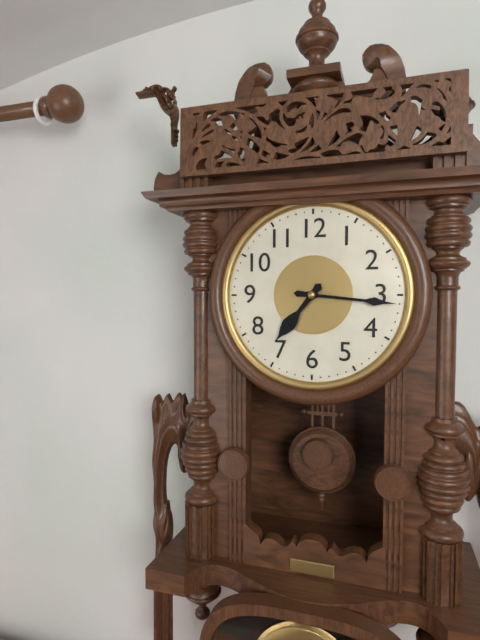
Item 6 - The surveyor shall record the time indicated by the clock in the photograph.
7:16
